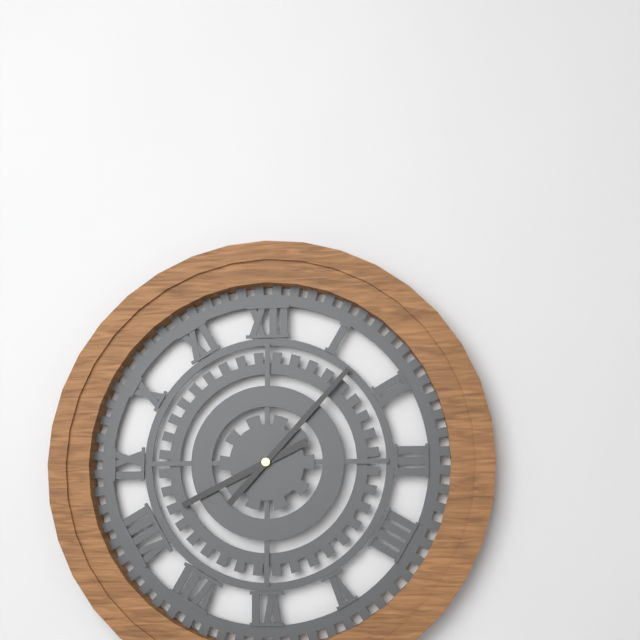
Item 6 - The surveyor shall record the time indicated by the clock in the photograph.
8:07
